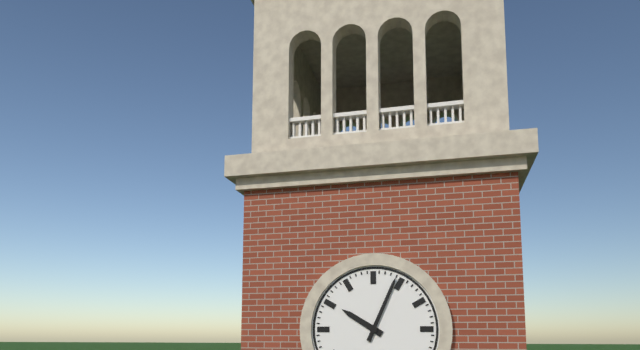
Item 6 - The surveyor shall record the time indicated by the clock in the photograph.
10:04
